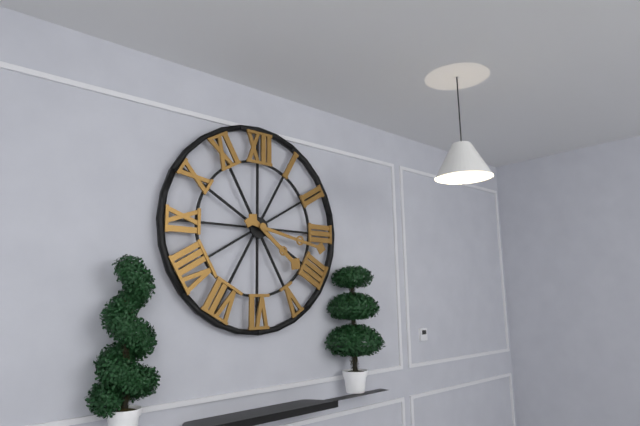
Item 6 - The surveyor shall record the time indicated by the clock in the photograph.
4:17
